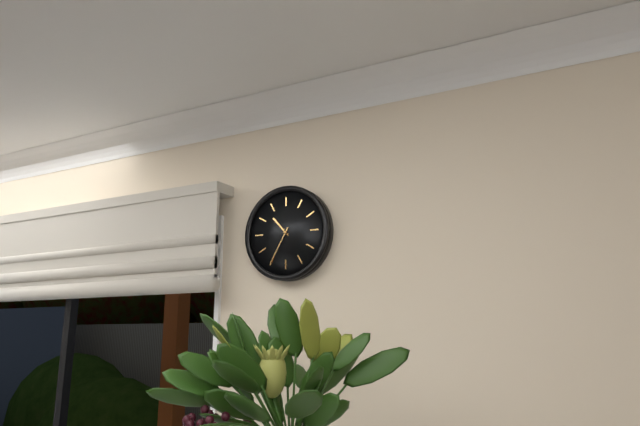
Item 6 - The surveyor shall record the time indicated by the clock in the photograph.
10:35
